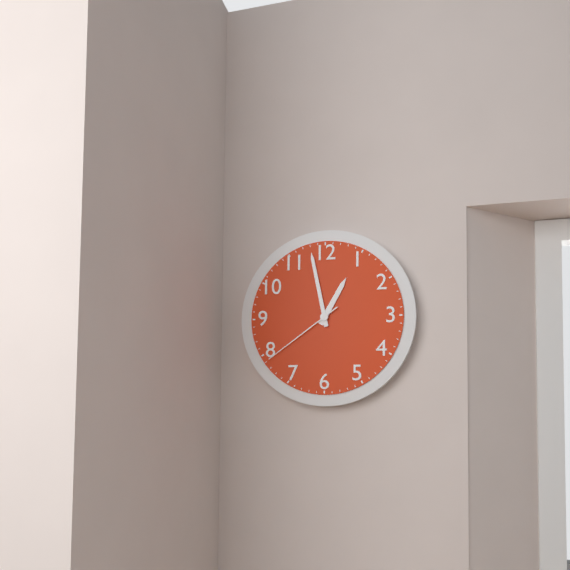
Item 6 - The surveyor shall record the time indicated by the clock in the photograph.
12:58:39
